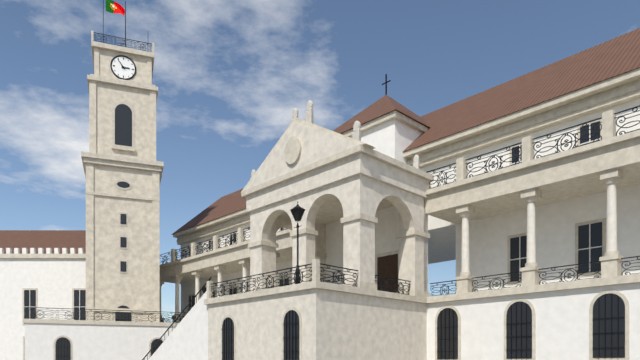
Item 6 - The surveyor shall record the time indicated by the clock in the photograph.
2:54
